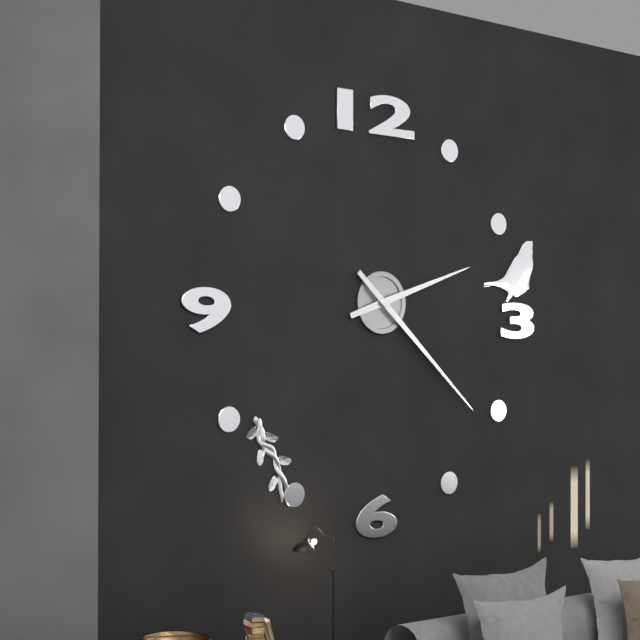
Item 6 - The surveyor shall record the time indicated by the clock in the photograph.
2:22
